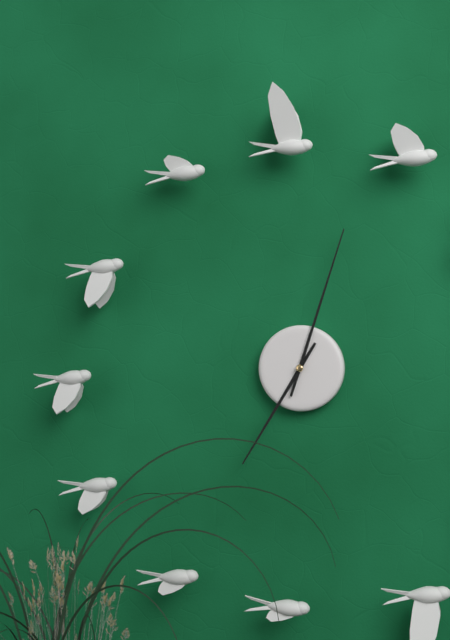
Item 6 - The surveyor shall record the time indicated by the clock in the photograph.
7:03
